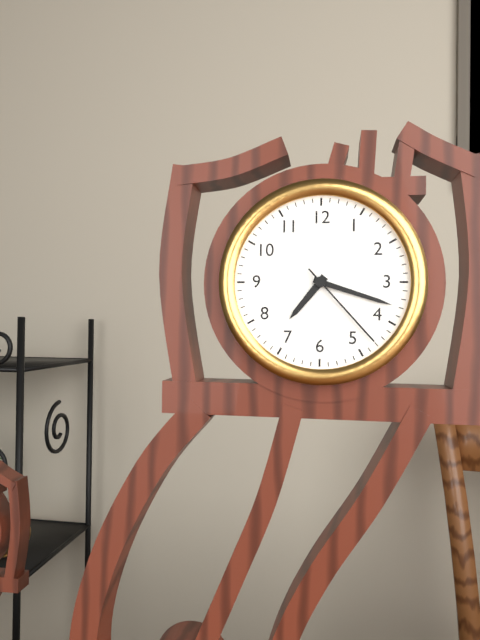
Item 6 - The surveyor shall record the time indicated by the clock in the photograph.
7:18:23
